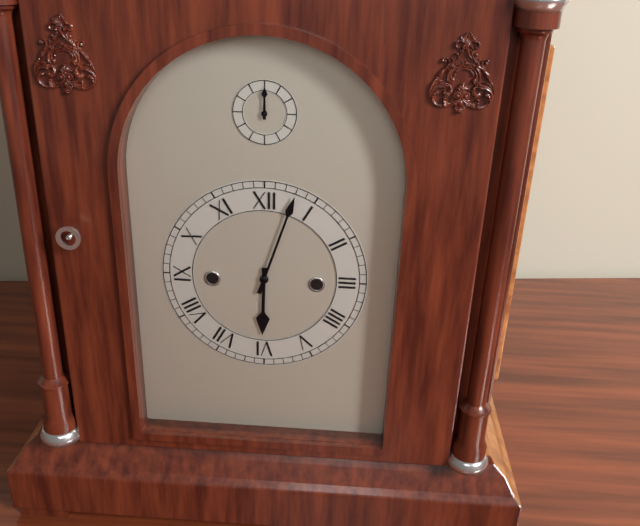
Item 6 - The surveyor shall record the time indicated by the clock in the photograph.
6:03
